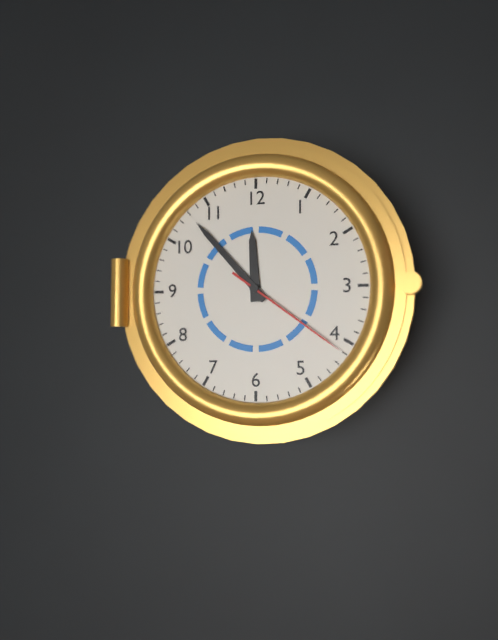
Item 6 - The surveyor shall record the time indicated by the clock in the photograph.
11:53:21
